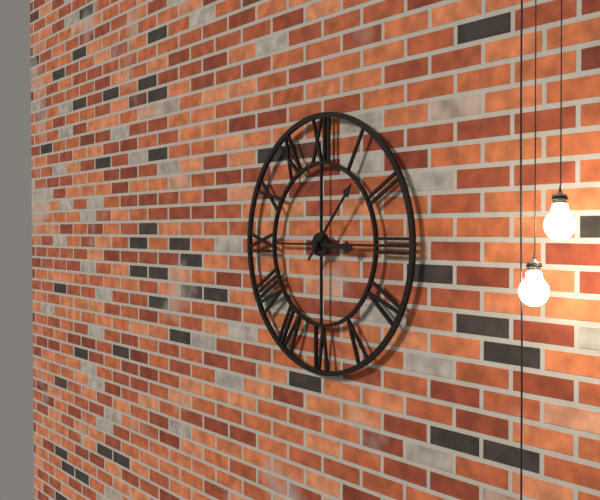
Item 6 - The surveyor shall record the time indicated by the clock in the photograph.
3:07
